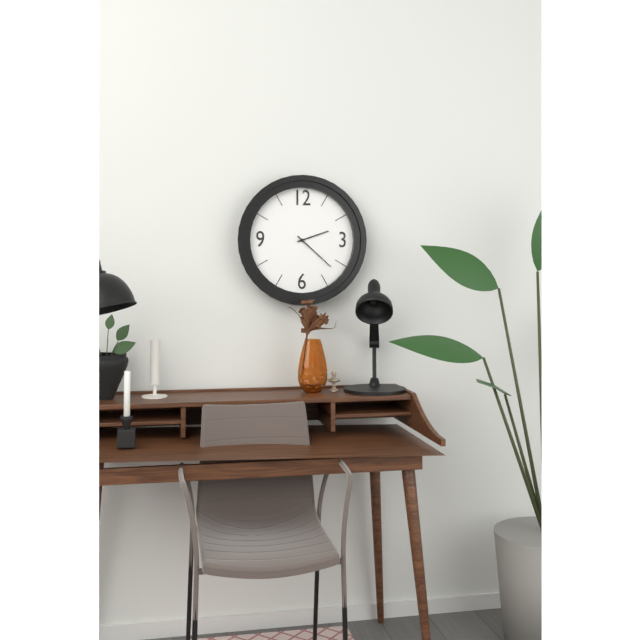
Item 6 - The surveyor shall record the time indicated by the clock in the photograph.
2:22
